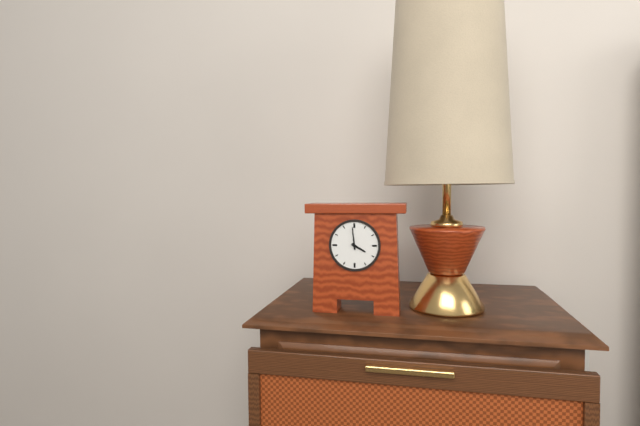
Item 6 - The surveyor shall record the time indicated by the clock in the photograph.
3:59
